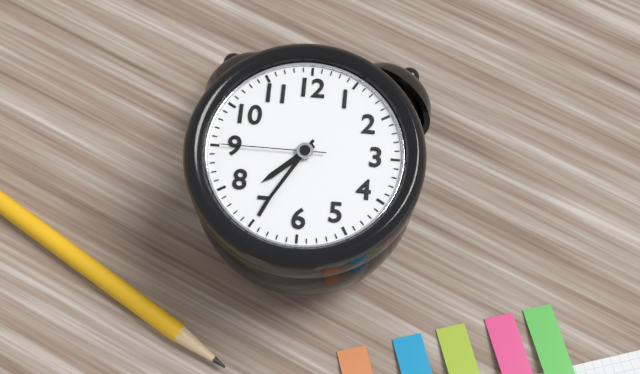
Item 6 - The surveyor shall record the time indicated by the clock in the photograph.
7:35:45
